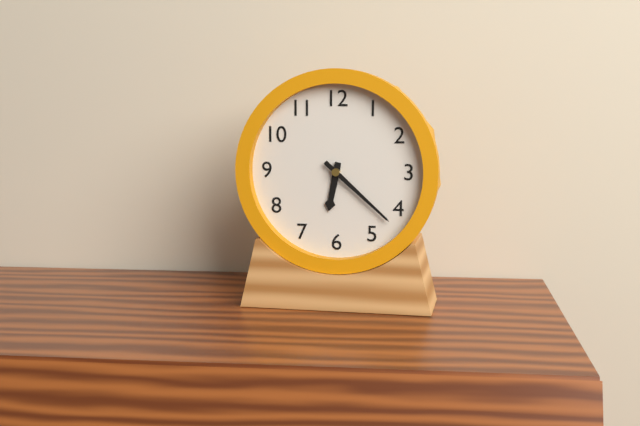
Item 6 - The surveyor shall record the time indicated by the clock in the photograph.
6:22
